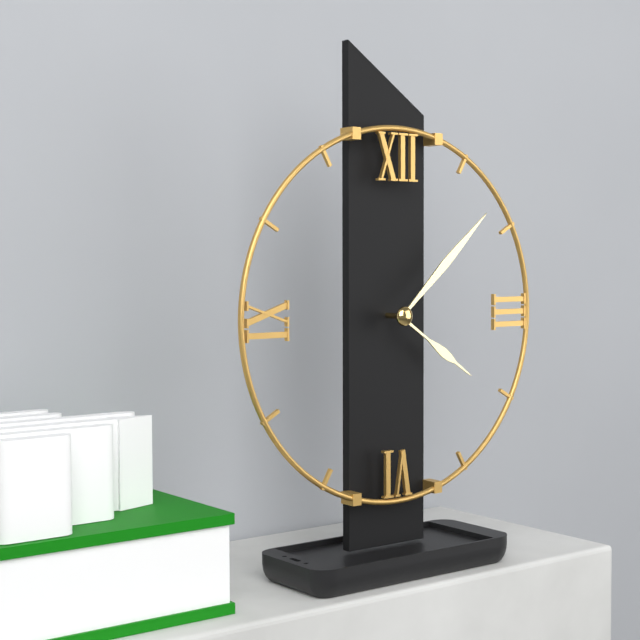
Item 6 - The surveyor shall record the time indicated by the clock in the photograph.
4:08
